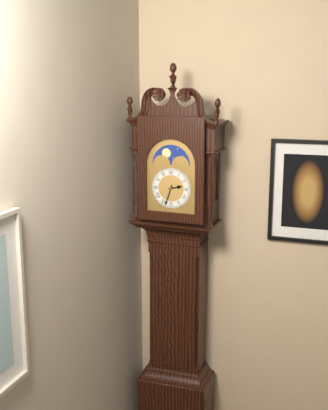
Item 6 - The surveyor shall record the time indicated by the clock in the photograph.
2:33
